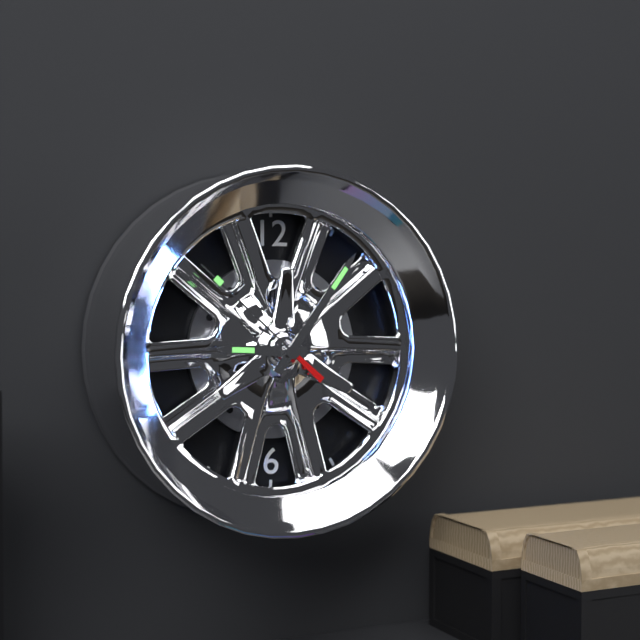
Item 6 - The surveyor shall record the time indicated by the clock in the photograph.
9:06:52
